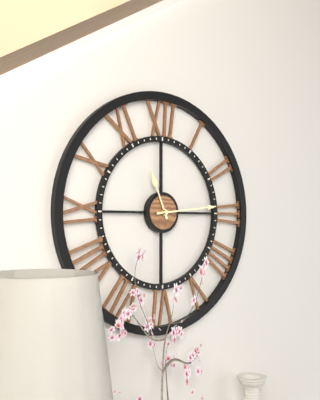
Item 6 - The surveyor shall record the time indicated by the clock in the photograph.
11:14
